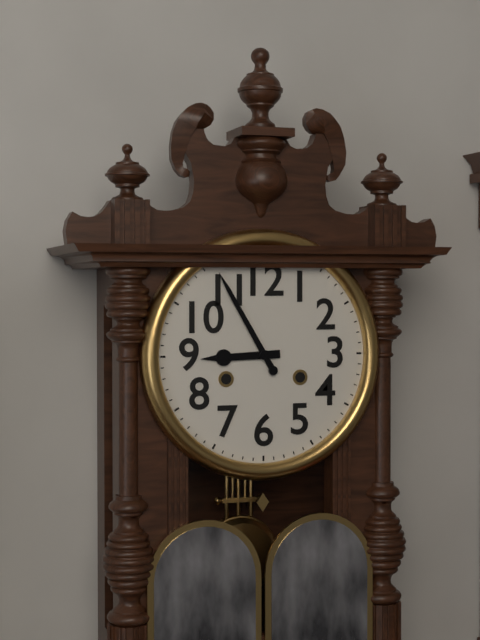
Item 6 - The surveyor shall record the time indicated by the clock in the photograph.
8:55
